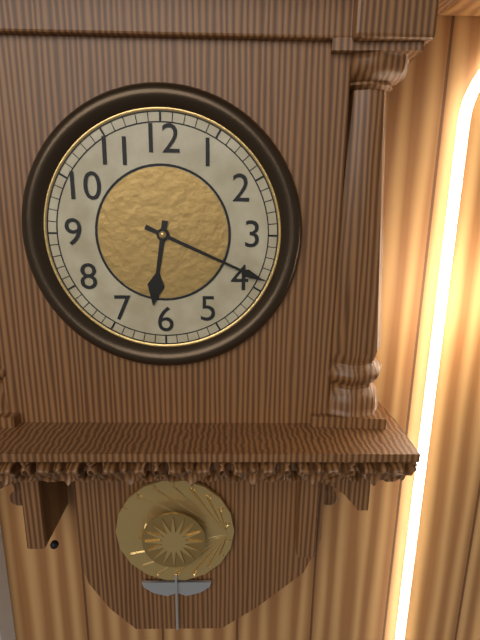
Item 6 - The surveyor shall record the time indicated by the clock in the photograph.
6:19
